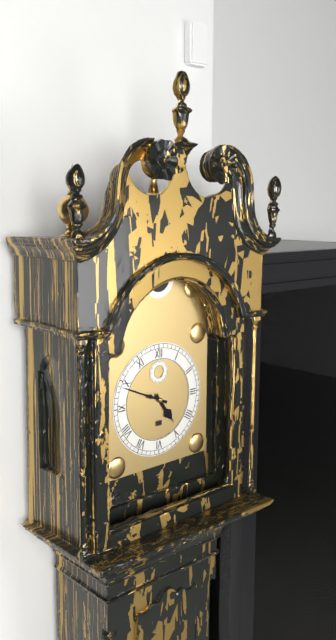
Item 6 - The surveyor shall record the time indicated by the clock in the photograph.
4:49
